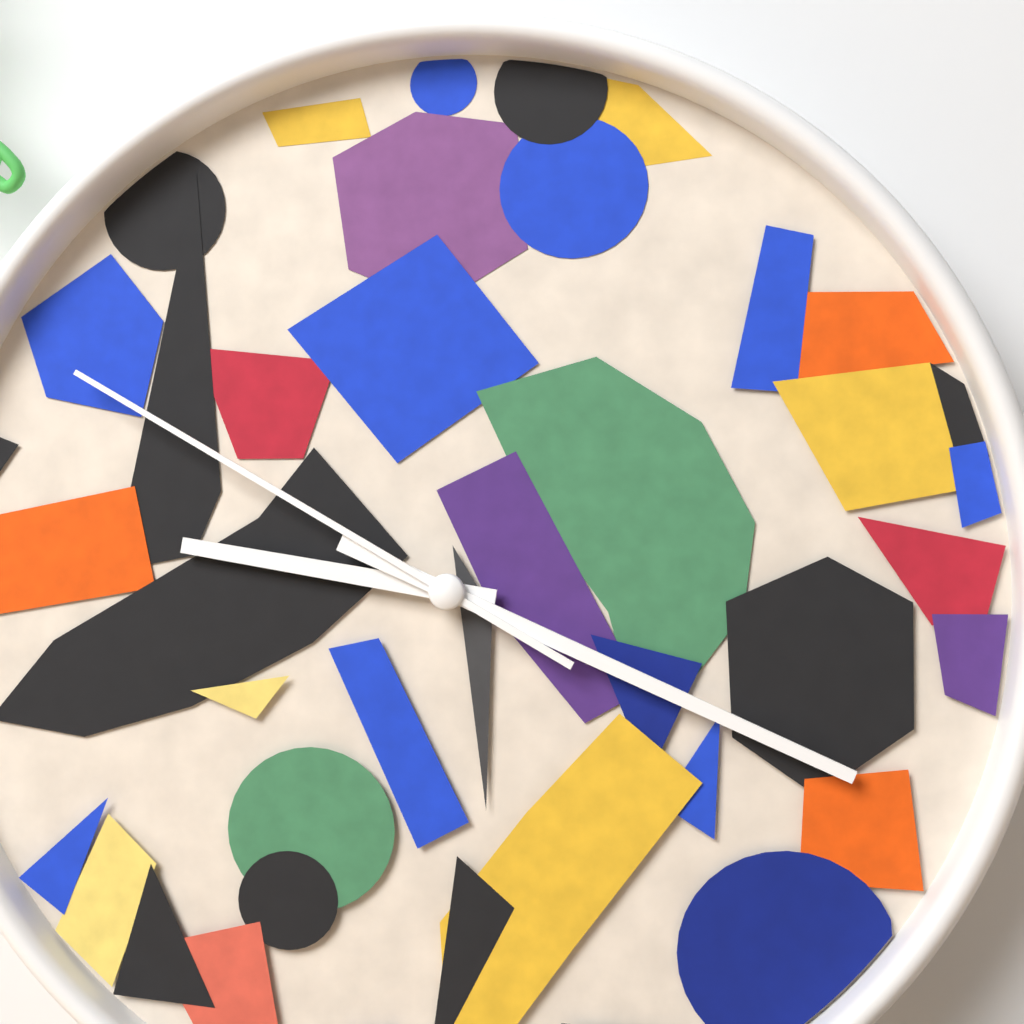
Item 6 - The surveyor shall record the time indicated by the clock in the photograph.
9:19:50
